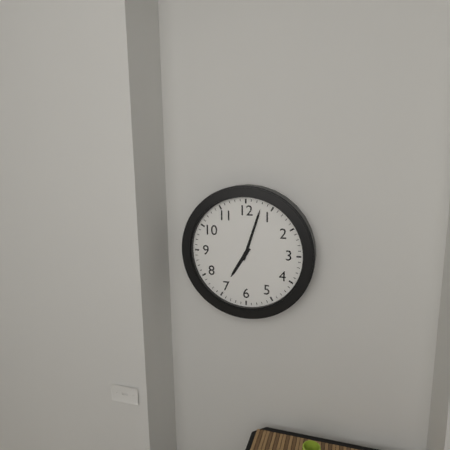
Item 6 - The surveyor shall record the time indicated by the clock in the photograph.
7:03
